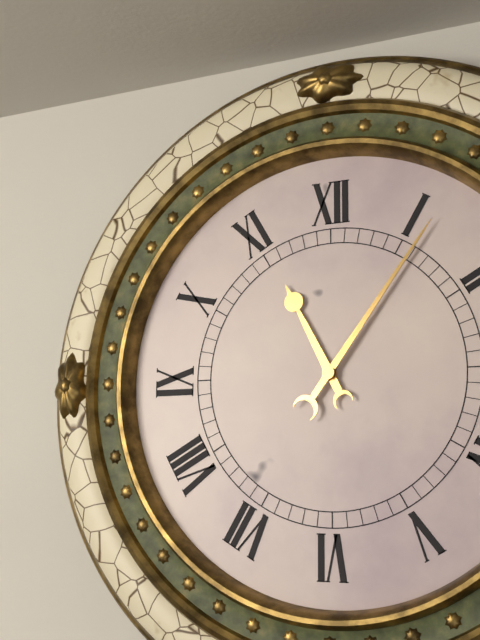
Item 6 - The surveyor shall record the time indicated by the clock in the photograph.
11:06
